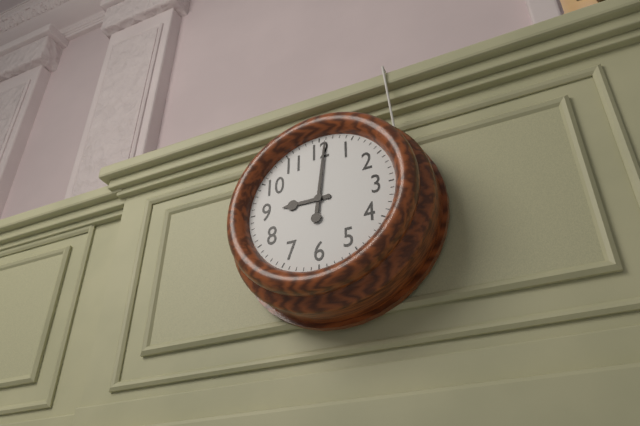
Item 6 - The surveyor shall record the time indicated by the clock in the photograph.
9:01
